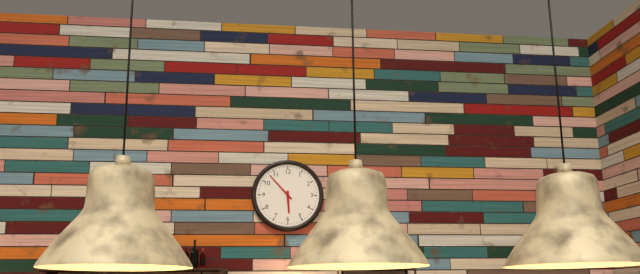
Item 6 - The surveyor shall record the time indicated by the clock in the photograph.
5:53
